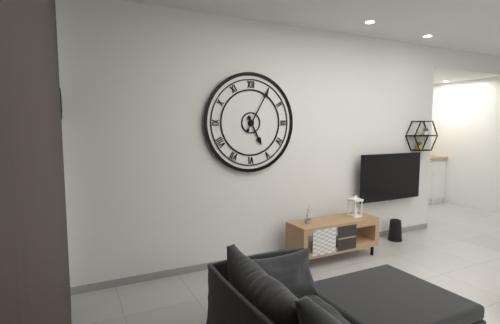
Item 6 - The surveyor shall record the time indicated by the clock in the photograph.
5:05
